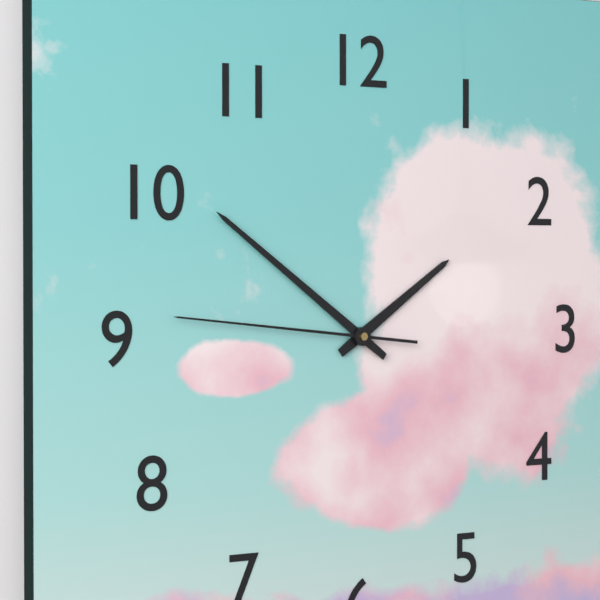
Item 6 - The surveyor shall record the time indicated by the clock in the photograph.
1:51:46
